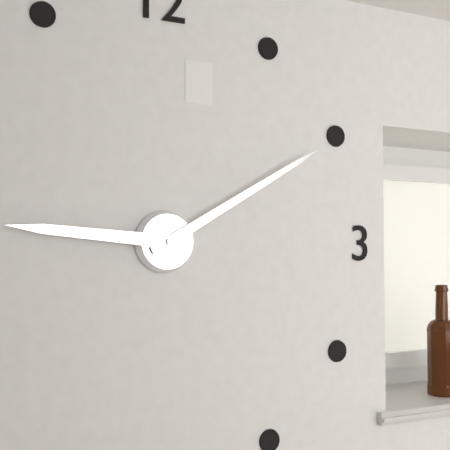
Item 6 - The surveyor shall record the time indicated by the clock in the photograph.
9:10
